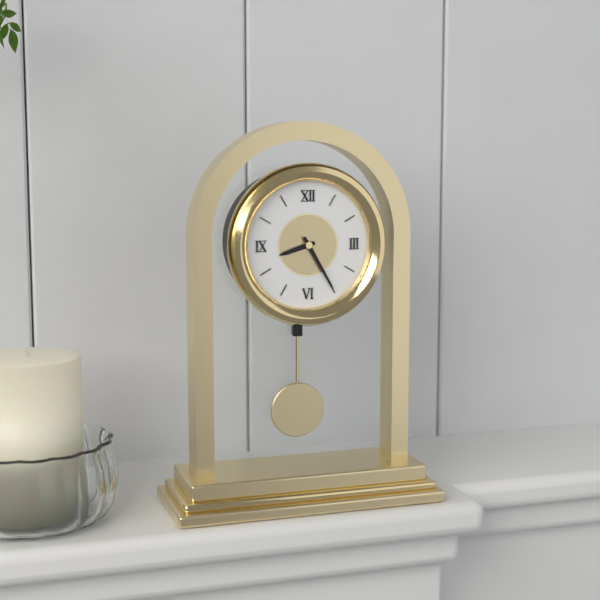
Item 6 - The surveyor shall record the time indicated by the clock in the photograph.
8:25
